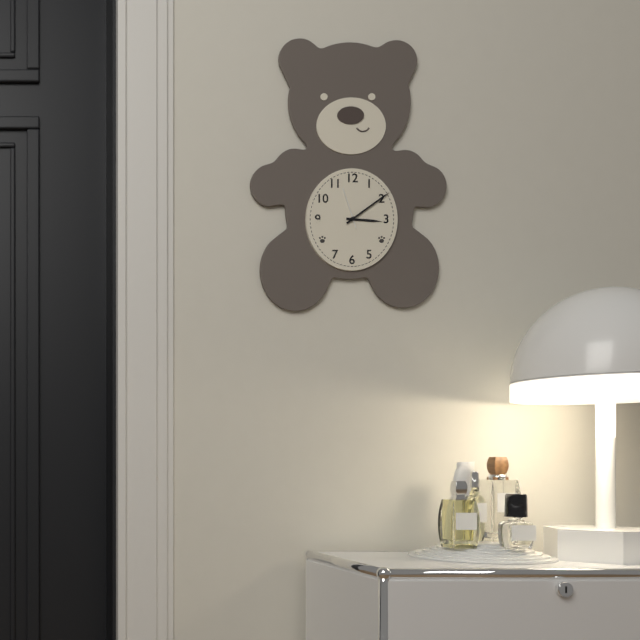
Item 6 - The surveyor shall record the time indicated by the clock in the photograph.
3:09
